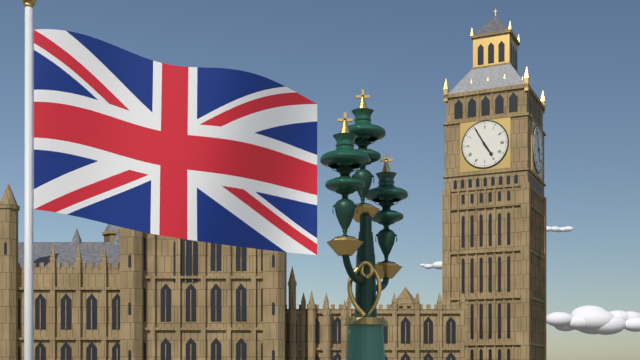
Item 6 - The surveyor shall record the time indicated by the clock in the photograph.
4:55
